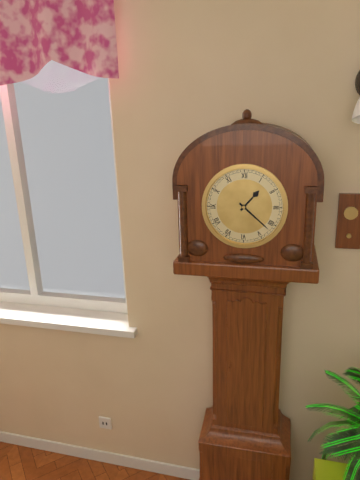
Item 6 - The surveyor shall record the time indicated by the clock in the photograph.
1:22
